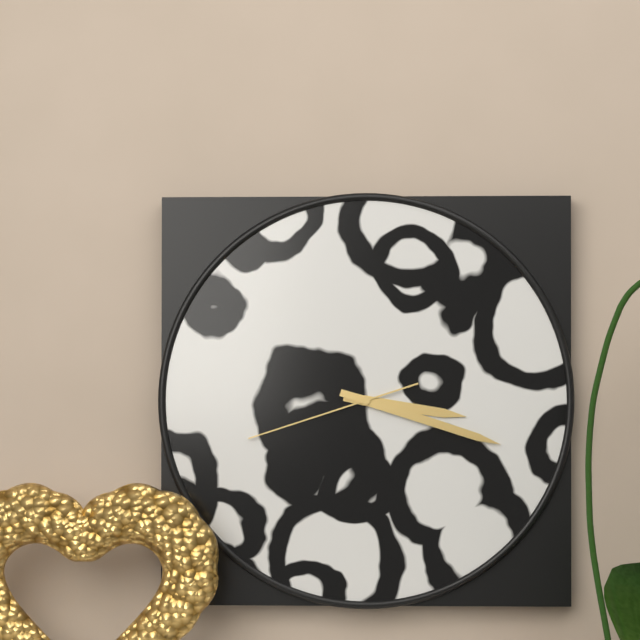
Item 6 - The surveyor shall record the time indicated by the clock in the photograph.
3:18:42
